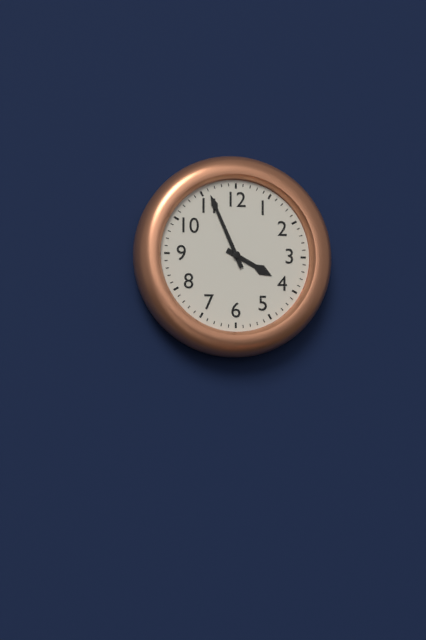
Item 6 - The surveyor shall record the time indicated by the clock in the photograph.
3:56
